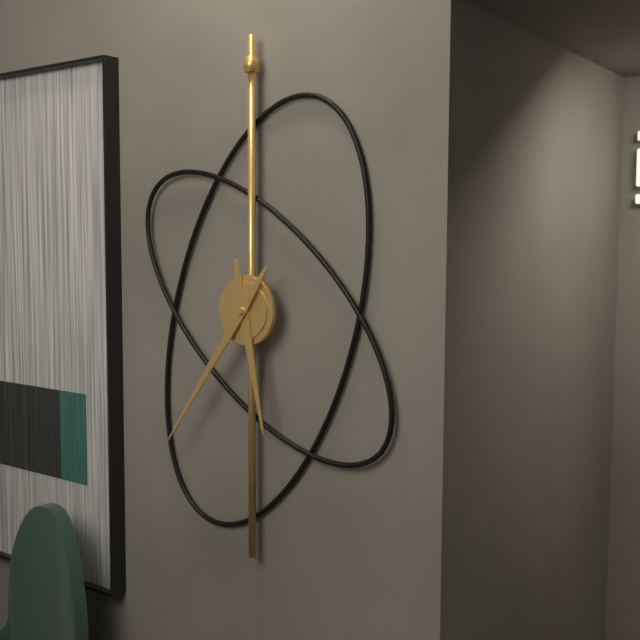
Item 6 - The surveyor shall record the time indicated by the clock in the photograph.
5:36
